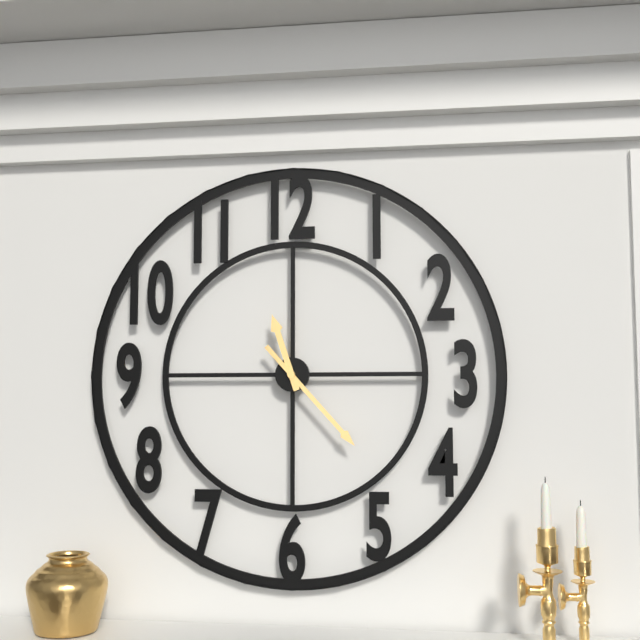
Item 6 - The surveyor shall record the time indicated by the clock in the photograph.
11:23
